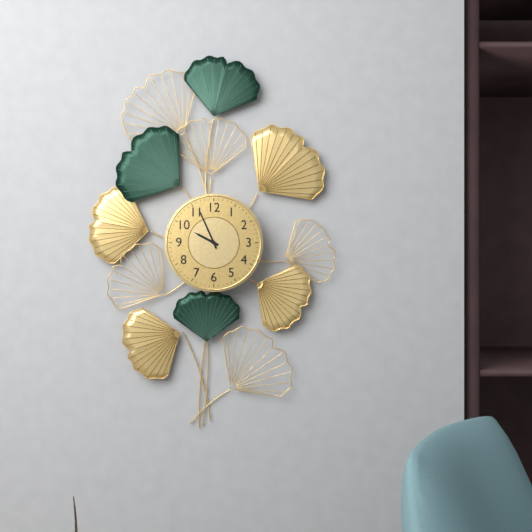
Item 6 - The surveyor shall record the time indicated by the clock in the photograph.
9:56
